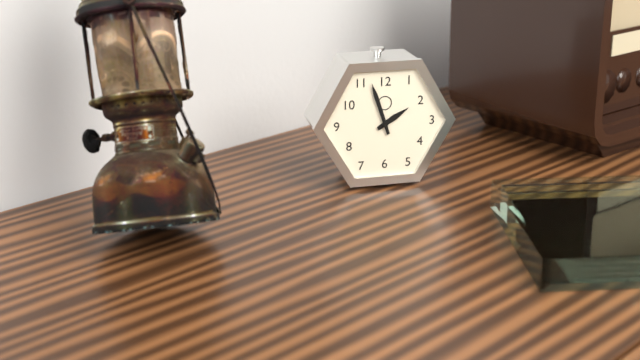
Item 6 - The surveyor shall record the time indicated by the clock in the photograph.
1:57
